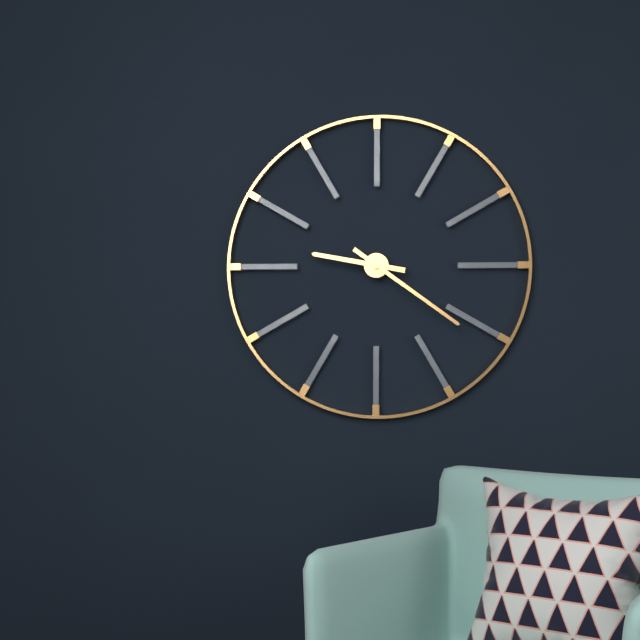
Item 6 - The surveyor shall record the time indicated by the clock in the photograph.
9:21
